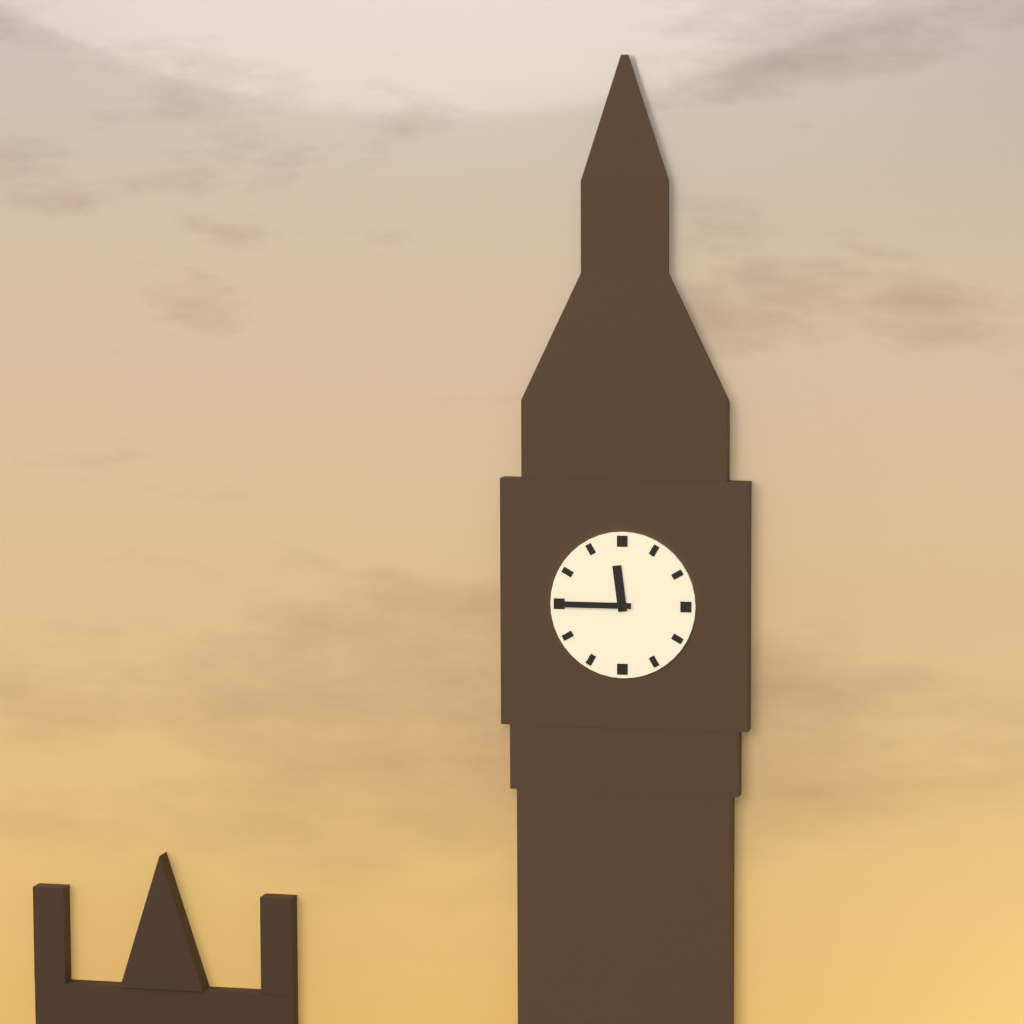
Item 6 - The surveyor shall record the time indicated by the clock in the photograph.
11:45
